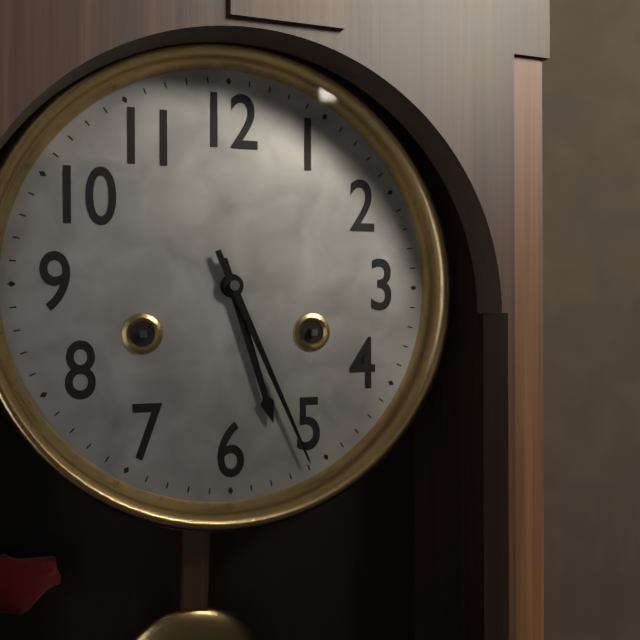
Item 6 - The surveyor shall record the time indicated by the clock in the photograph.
5:26
